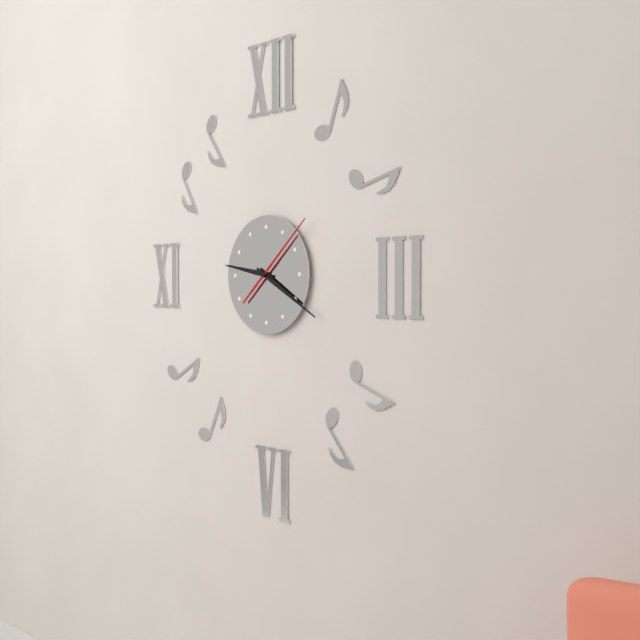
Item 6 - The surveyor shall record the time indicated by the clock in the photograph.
9:20:08
